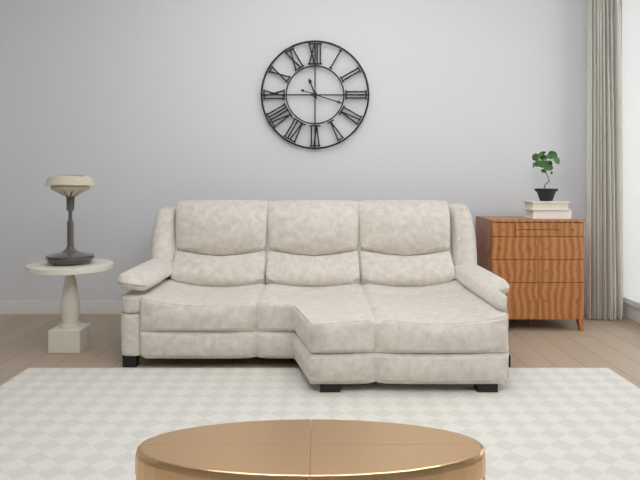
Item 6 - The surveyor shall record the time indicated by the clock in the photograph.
11:18
